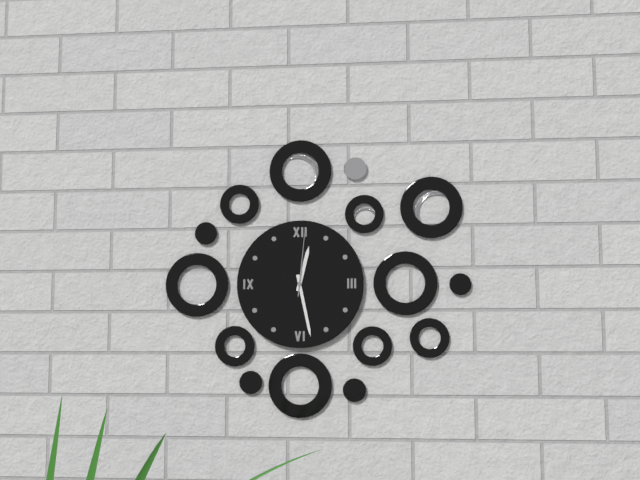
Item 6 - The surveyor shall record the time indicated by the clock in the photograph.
12:28:01
